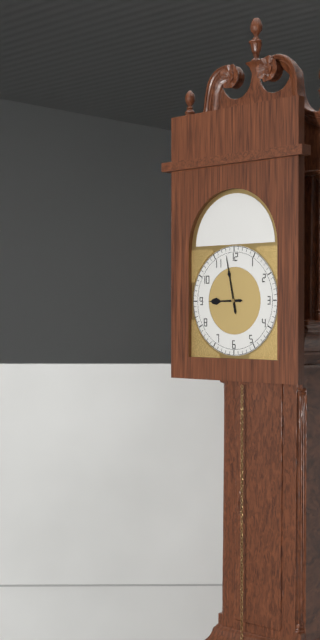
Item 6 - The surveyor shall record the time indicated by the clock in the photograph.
8:58
